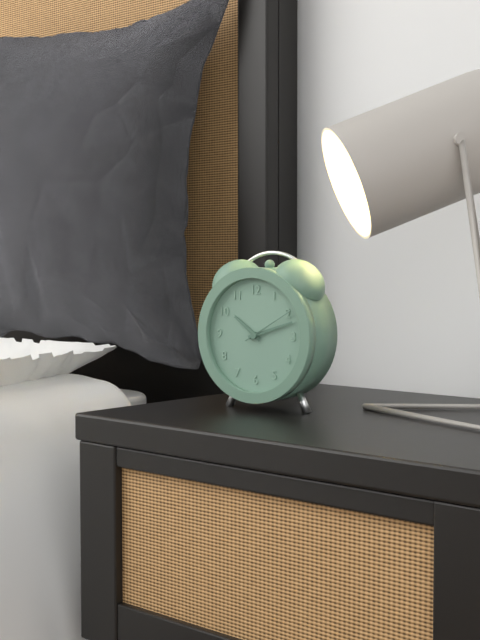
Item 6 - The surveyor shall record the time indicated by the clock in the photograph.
10:12:10
